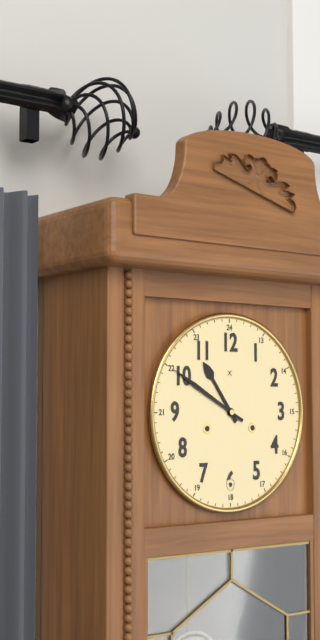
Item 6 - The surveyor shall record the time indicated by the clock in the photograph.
10:50
